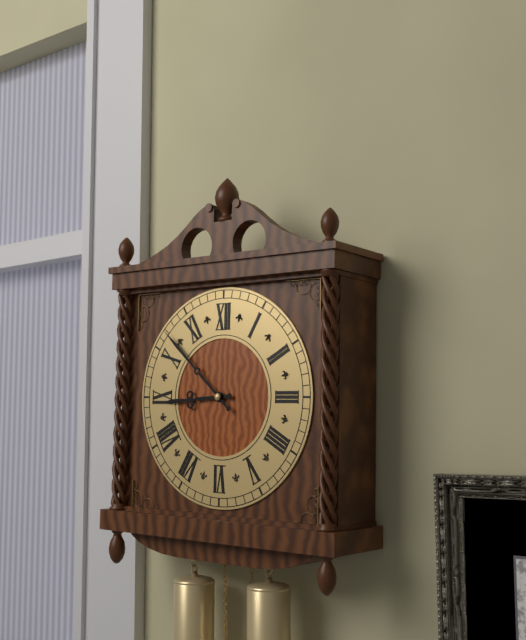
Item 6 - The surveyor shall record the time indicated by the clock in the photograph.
8:52
